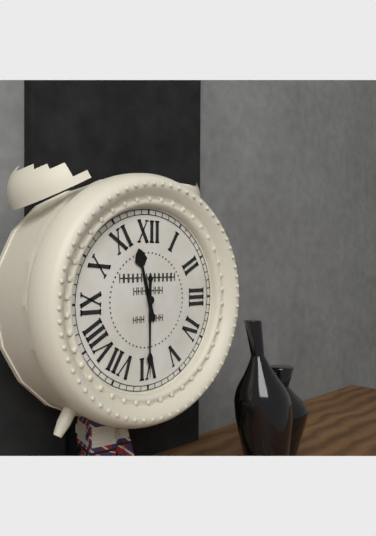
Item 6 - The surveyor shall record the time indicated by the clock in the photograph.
11:30
